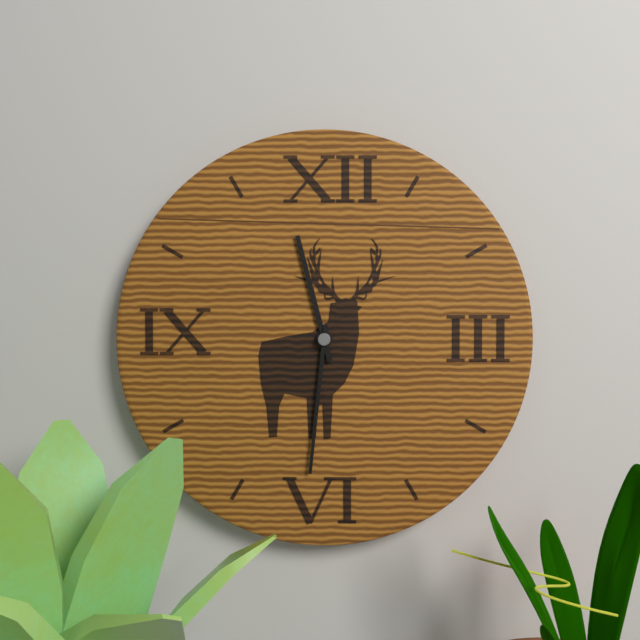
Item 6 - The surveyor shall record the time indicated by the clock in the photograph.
11:31
